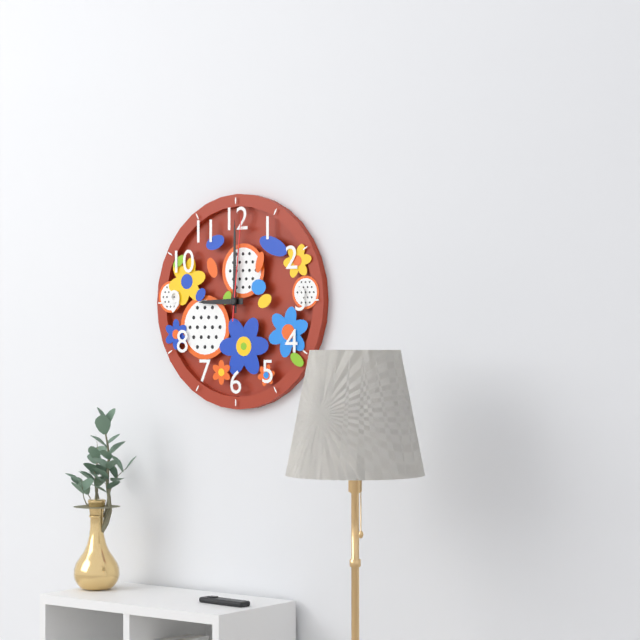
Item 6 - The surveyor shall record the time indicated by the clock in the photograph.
9:00:01
